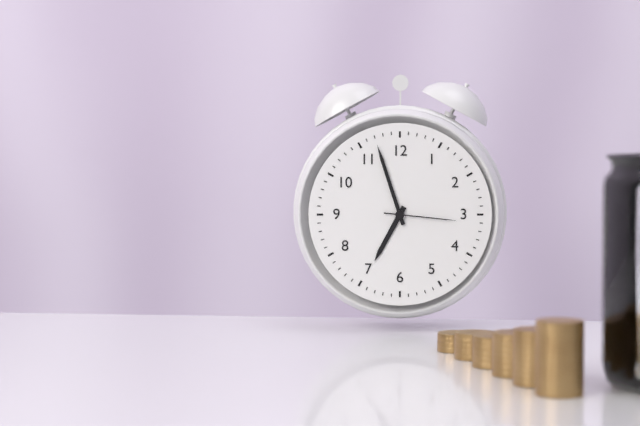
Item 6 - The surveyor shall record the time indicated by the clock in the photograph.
6:57:16
